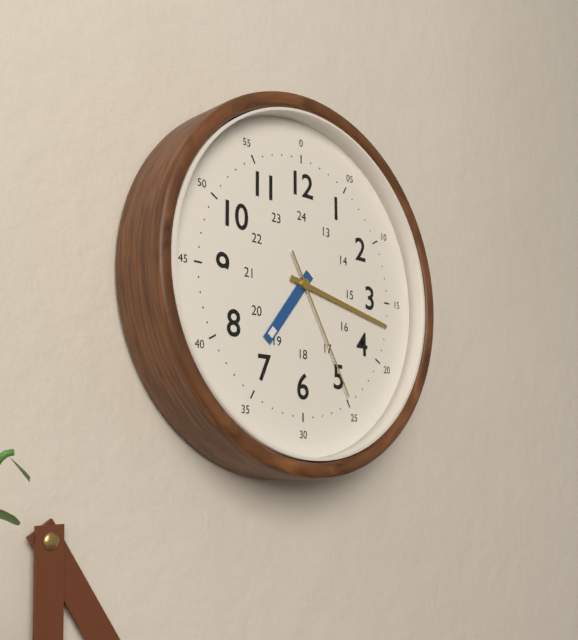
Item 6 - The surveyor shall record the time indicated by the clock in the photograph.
7:17:25
